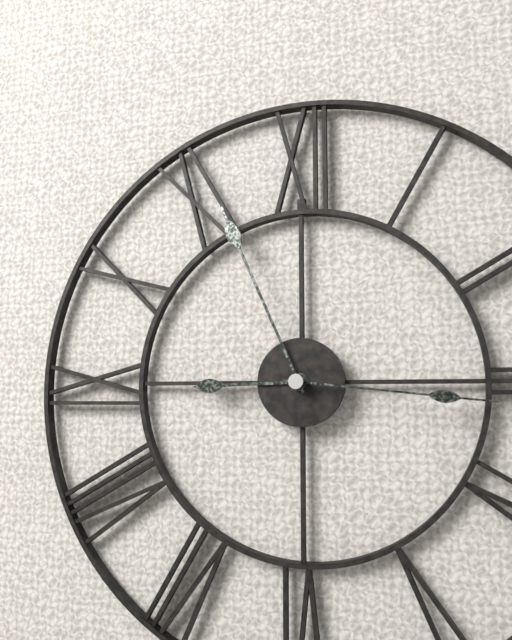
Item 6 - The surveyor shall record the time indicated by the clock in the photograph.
8:56:16
